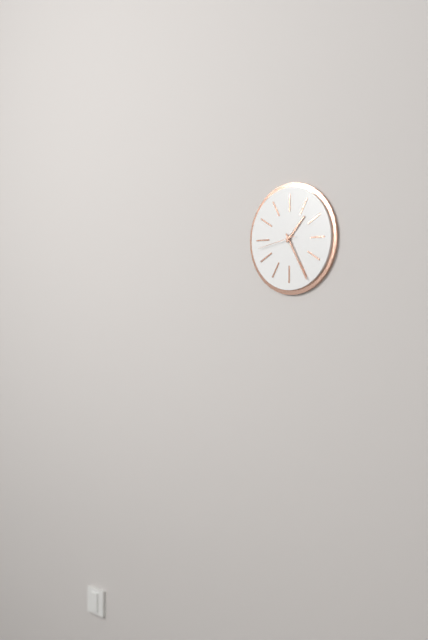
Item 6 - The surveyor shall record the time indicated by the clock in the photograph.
1:25
